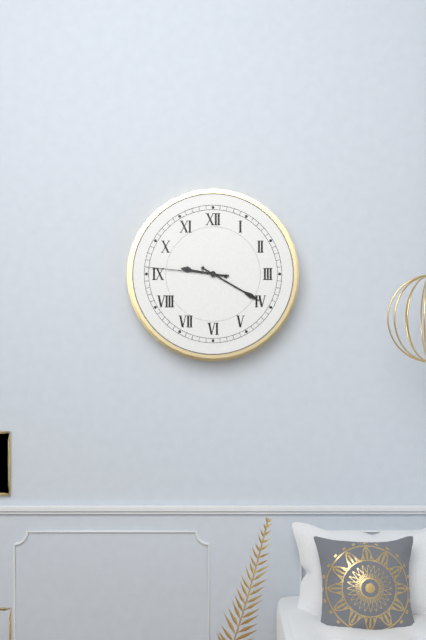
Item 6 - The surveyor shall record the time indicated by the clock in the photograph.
9:20:46
